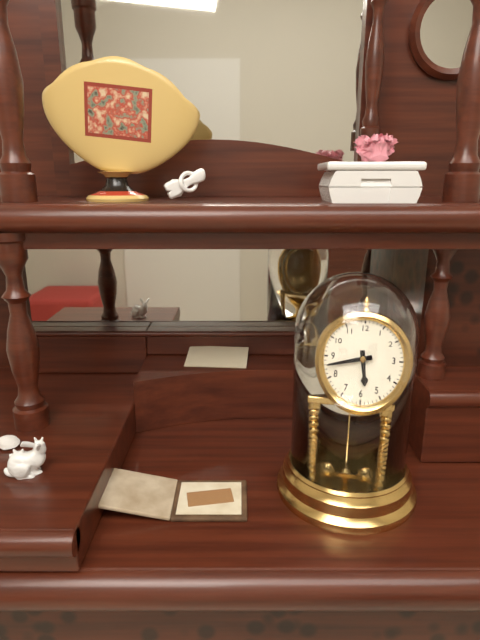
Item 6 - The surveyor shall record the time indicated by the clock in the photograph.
5:43
